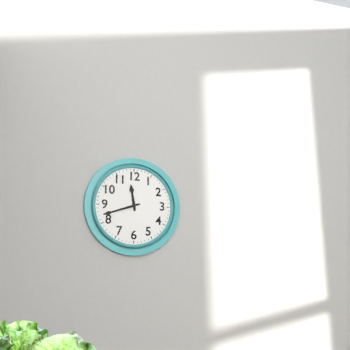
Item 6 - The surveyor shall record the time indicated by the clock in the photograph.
11:42
